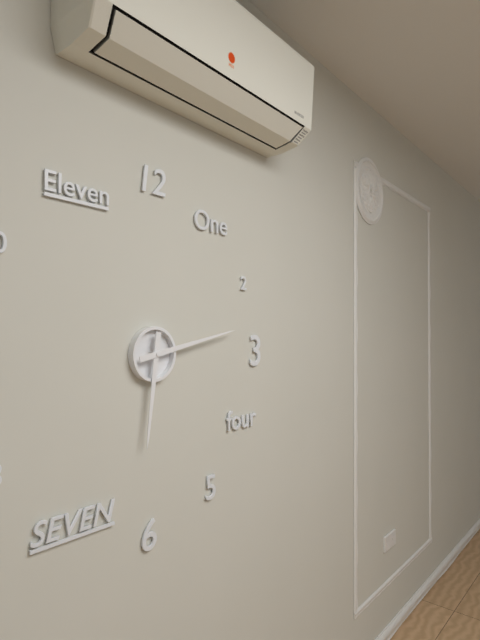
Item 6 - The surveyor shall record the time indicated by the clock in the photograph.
6:13
